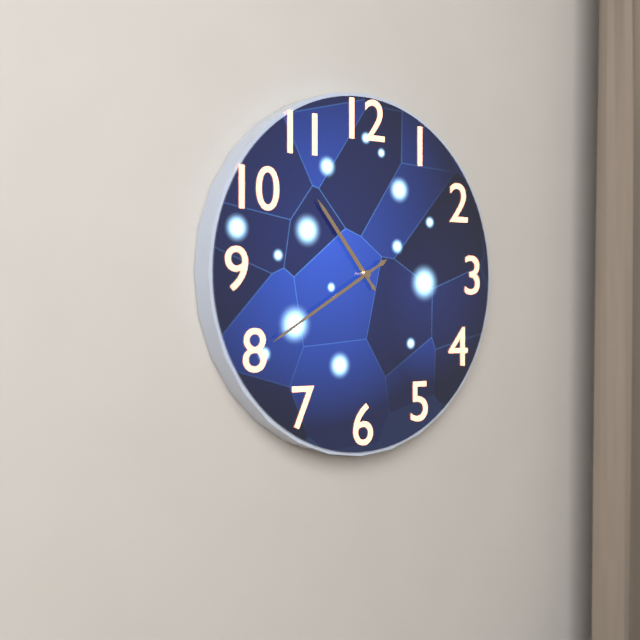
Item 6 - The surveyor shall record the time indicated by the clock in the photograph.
10:40
